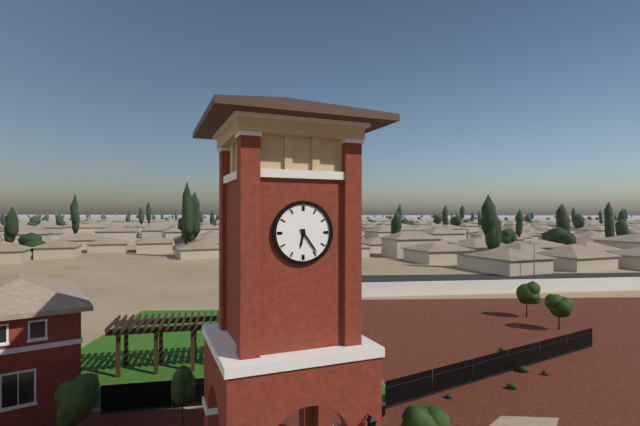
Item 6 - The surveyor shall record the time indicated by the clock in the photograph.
6:24
